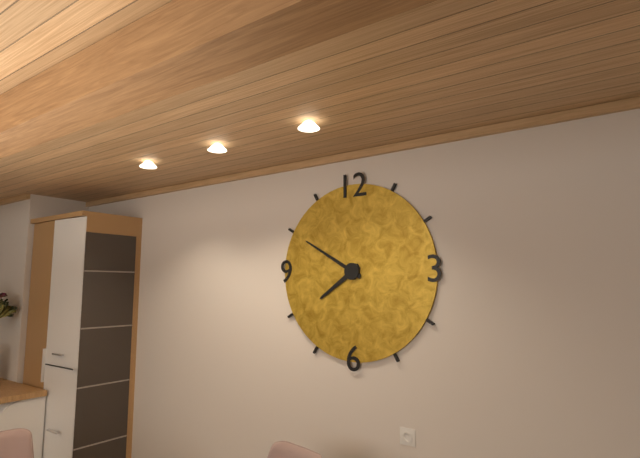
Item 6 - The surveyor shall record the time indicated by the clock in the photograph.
7:50
